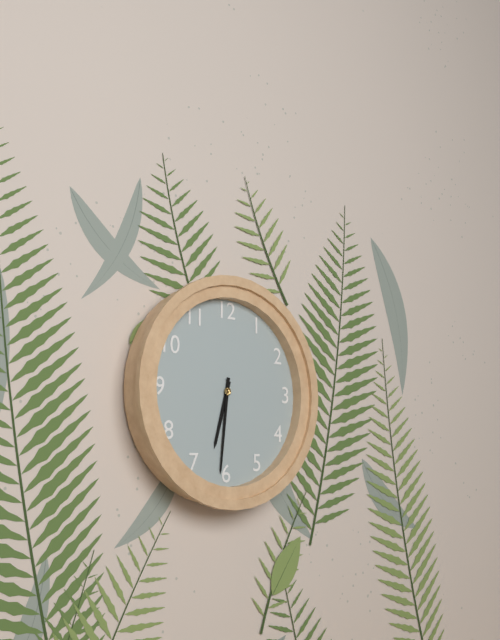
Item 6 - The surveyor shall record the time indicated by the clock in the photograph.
6:31
